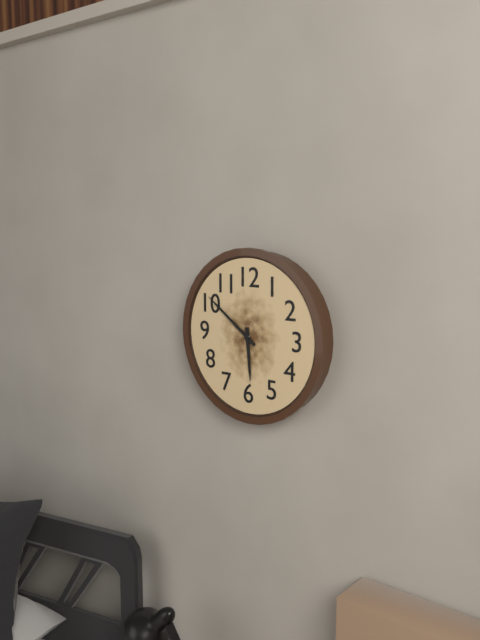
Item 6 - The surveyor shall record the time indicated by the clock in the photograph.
5:51
